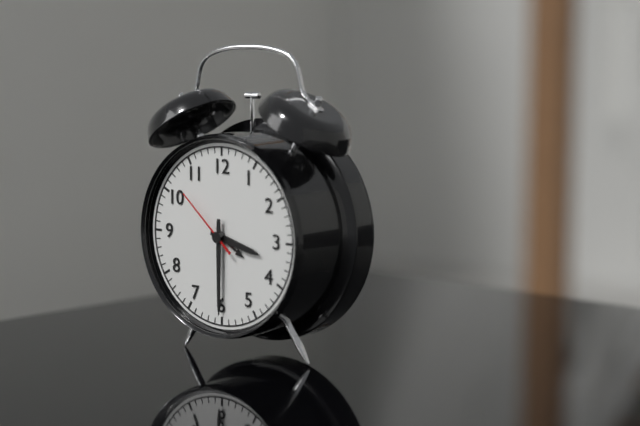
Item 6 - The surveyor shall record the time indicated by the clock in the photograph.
3:30:52
